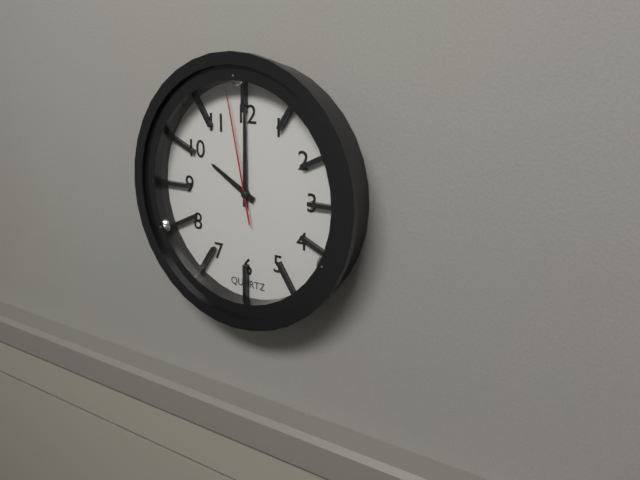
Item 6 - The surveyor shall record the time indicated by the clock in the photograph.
10:00:58
